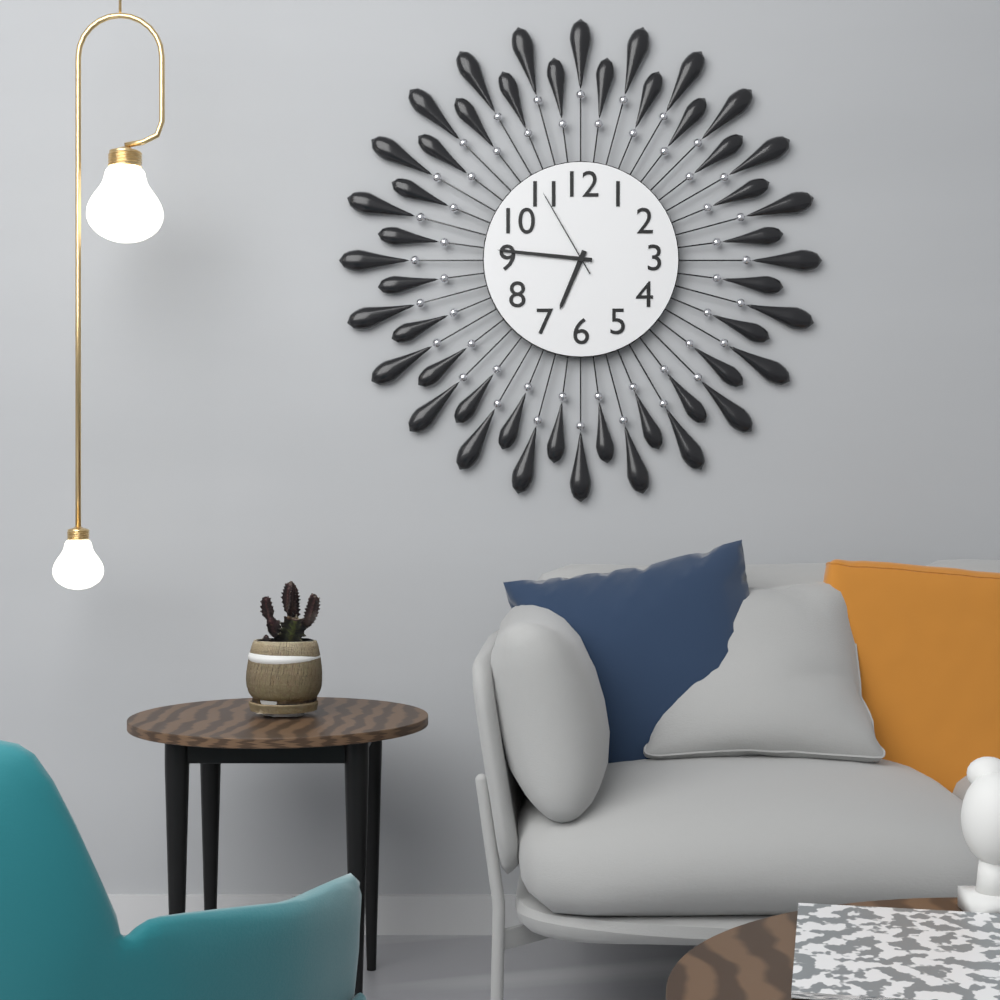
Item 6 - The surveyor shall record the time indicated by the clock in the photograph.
6:46:55
